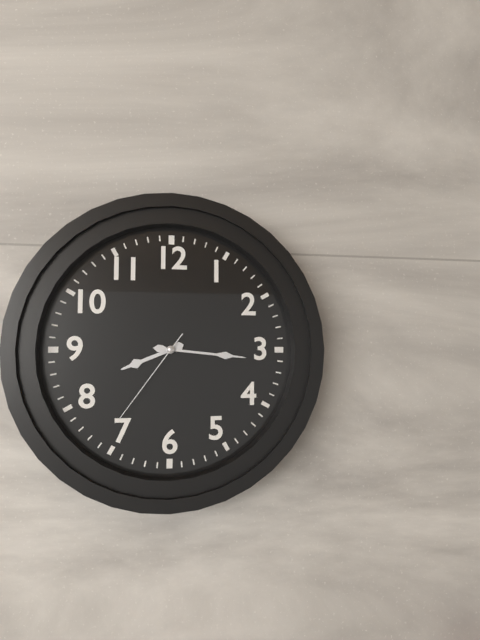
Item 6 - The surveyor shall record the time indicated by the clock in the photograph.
8:16:36
